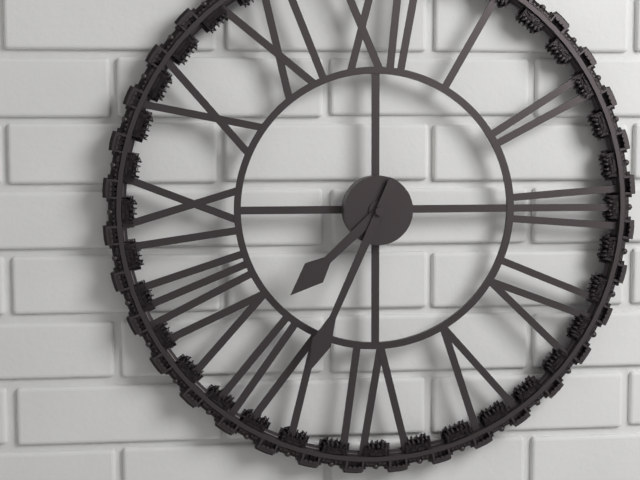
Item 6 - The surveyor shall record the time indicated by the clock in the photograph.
7:34
